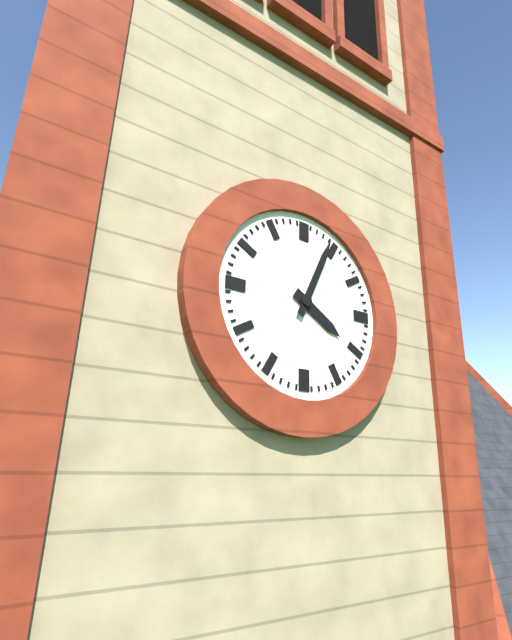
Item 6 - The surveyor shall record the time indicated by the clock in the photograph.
4:04
